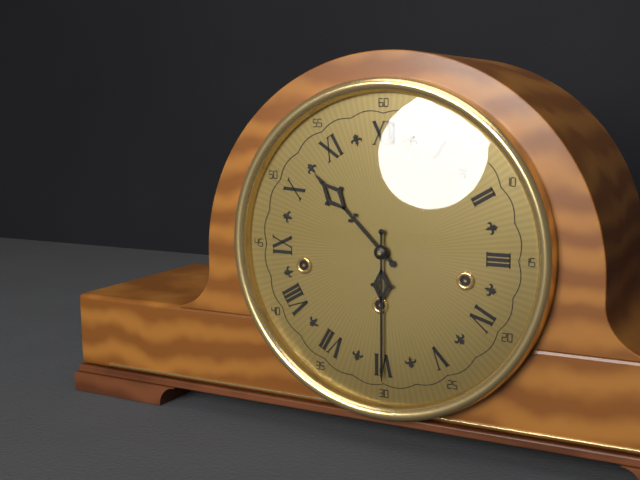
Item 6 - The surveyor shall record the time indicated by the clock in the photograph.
10:30
